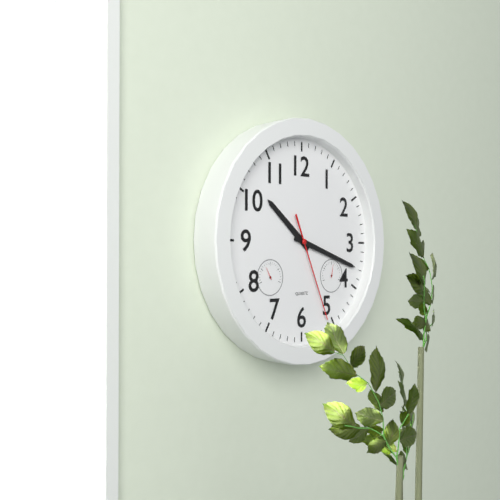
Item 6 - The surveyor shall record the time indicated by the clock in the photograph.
10:18:26
